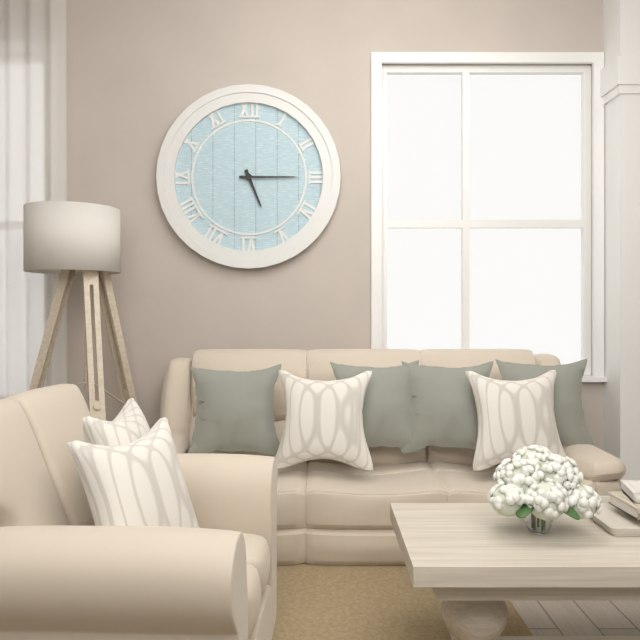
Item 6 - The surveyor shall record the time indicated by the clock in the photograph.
5:15
